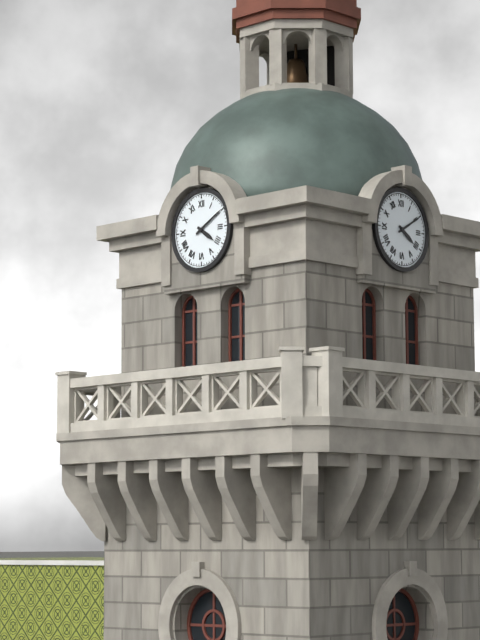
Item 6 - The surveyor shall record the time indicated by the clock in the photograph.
4:10
